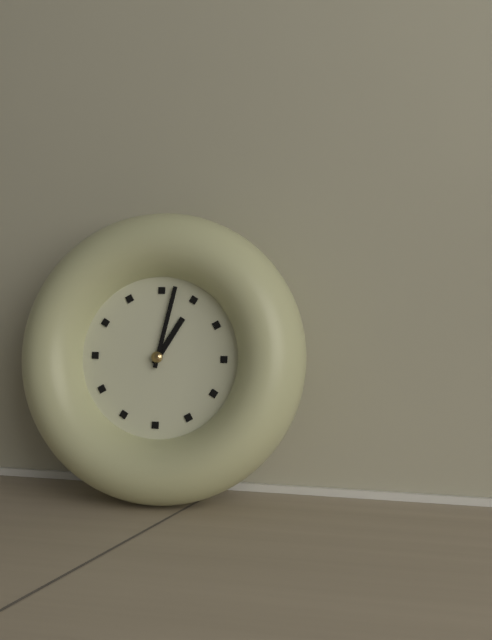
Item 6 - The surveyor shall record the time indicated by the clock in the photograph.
1:02
